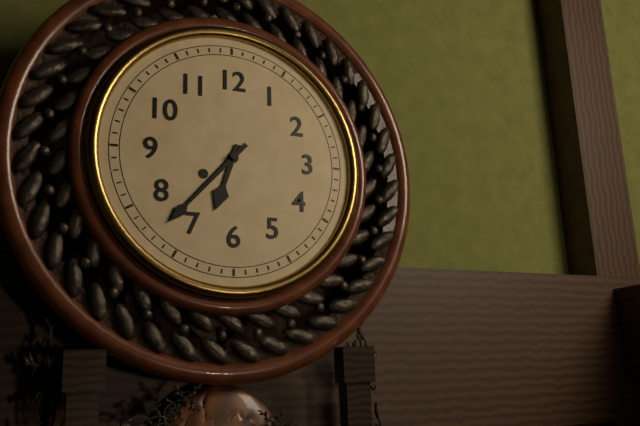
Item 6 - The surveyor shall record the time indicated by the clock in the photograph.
6:37
